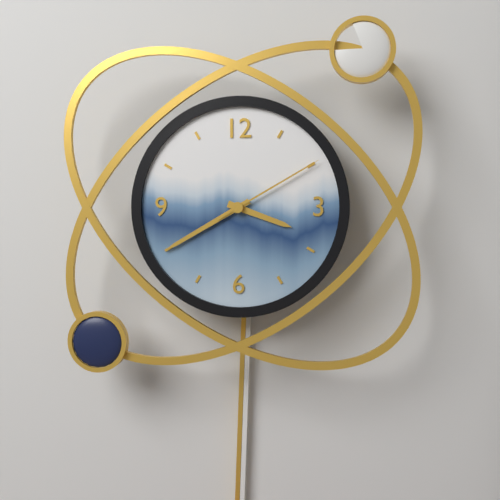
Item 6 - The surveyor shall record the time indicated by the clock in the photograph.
3:40:10
